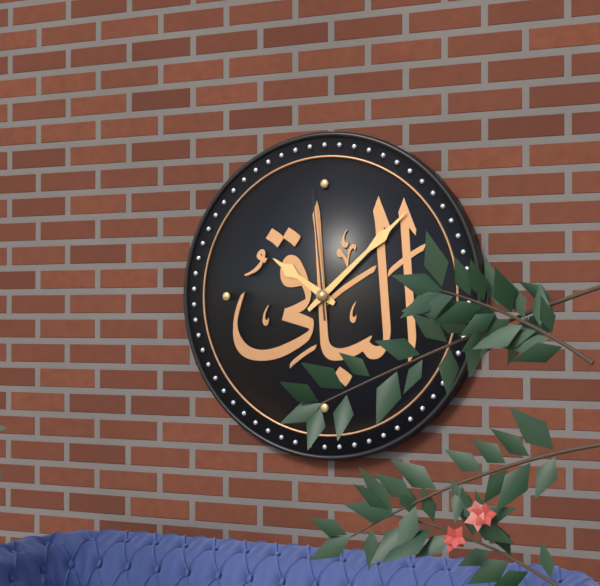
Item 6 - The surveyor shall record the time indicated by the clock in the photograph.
10:08:59
